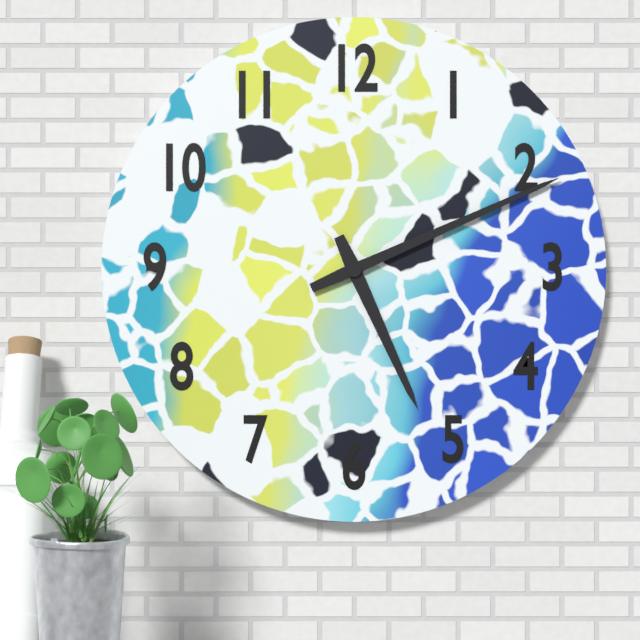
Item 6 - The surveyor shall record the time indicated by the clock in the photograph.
5:11
